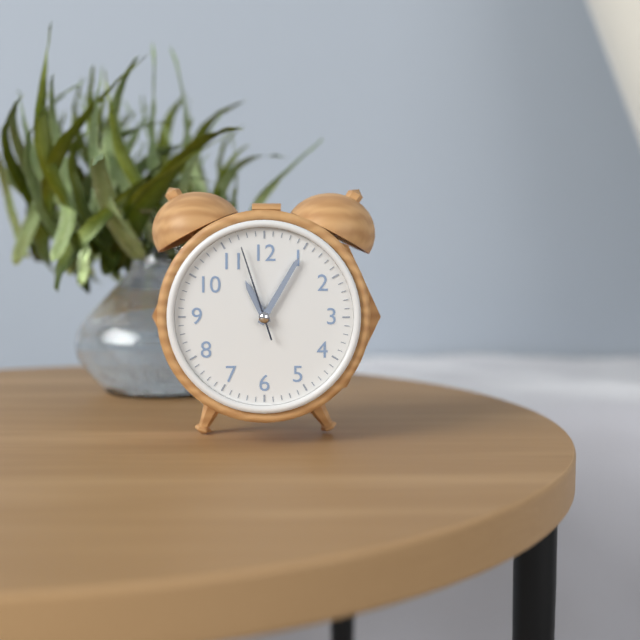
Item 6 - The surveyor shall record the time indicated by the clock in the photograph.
11:05:57
